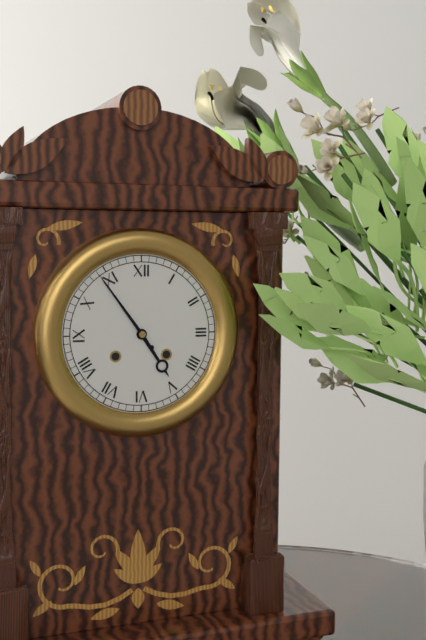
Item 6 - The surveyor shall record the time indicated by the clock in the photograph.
4:54
